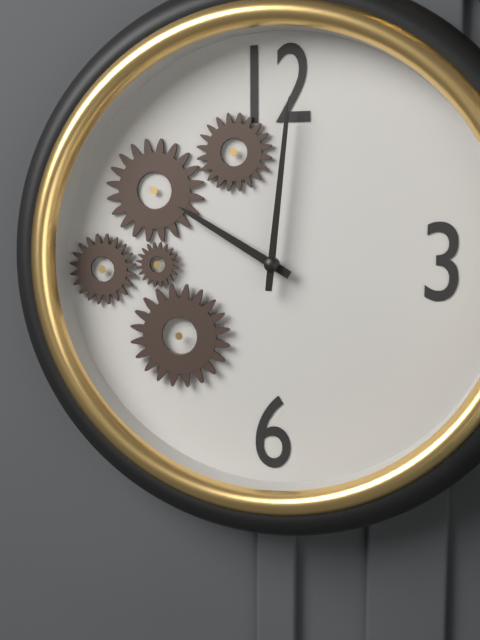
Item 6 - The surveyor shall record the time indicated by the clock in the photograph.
10:01
